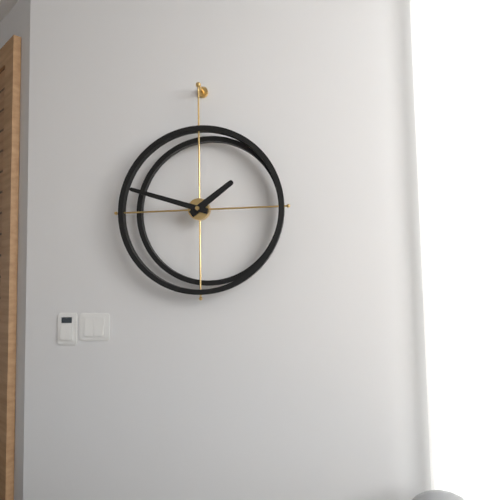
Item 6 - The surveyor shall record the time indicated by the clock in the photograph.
1:48
